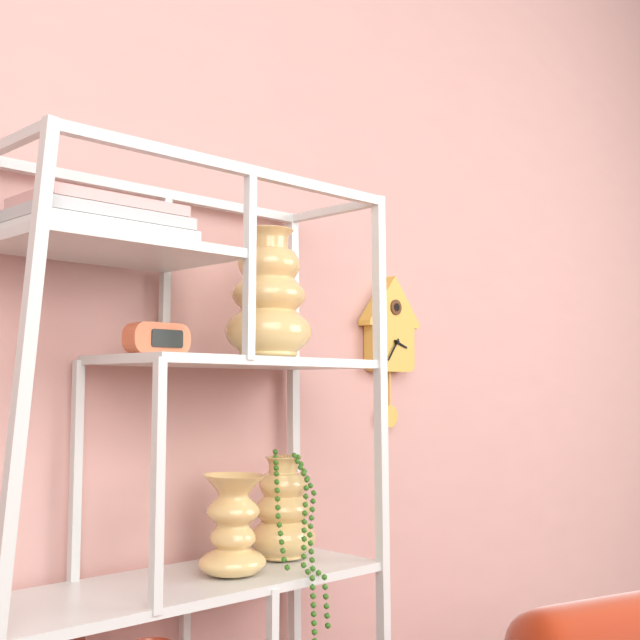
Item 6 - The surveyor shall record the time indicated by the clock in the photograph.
3:36
